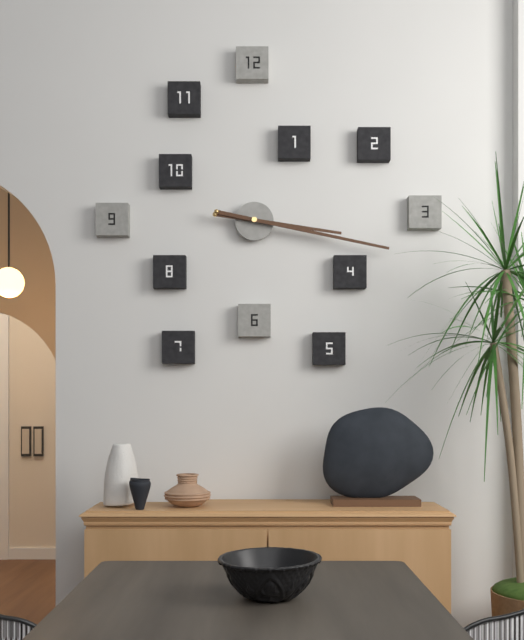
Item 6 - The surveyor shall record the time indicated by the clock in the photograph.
3:17
